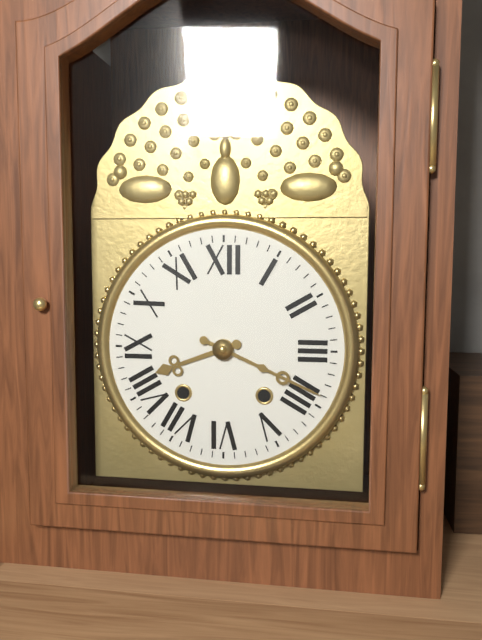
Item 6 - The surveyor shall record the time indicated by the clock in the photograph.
8:19
